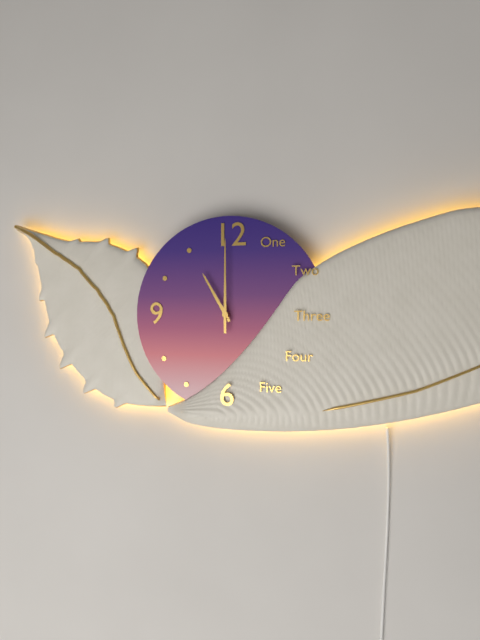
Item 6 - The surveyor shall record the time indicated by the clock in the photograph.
11:00
